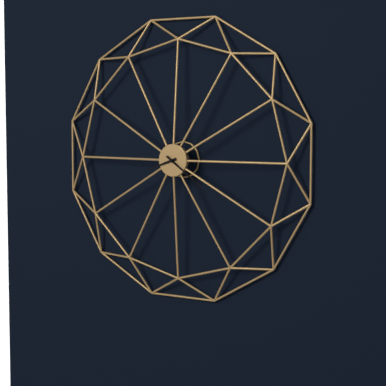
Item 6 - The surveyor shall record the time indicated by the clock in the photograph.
8:21
